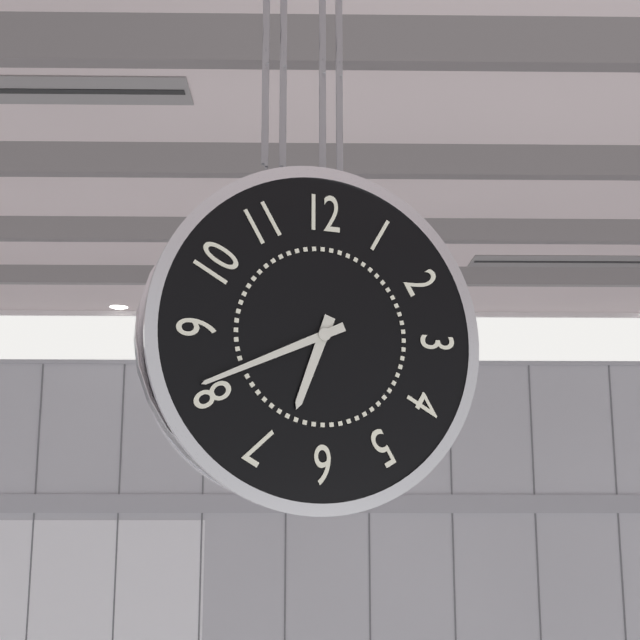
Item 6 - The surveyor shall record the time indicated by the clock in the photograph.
6:41
